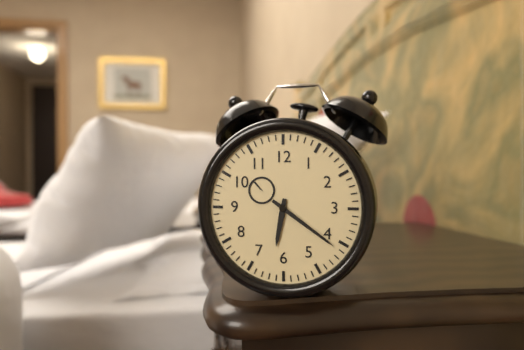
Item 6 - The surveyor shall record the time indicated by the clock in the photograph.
6:21
